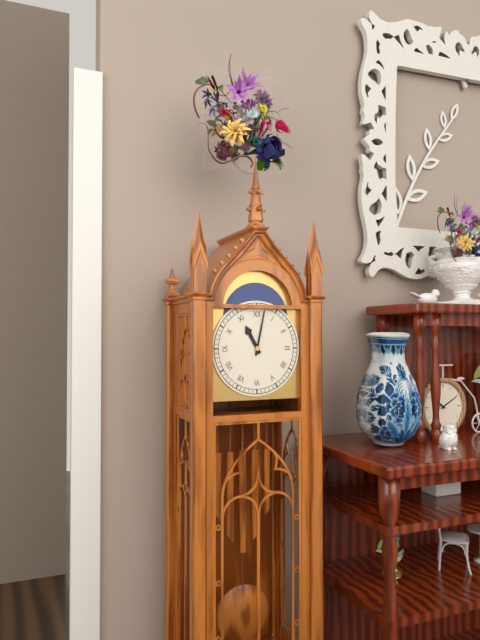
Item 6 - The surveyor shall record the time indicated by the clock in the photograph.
11:02
